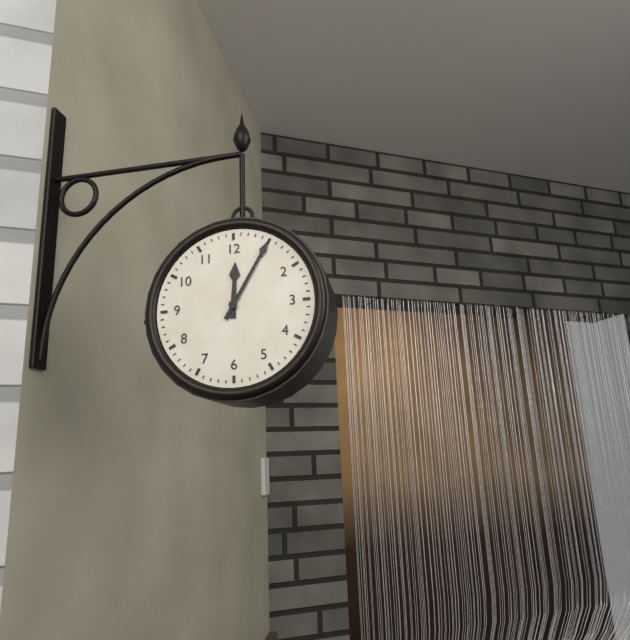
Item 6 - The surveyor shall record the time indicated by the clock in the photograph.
12:05
